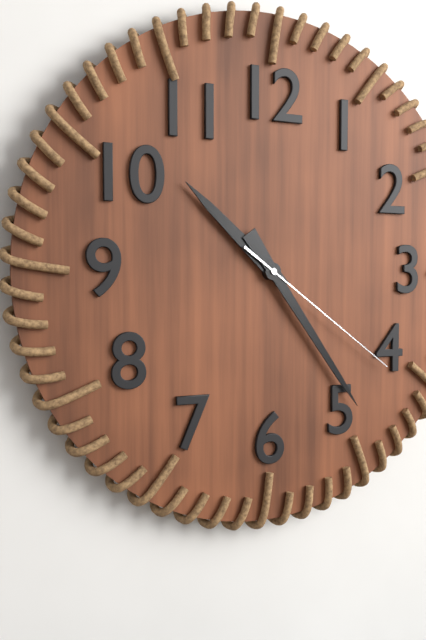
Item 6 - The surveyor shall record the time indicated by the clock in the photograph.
10:24:21
